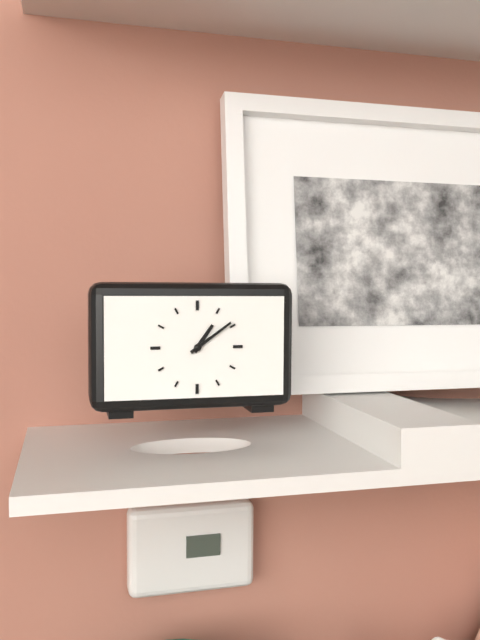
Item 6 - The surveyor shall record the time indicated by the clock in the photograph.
1:09
